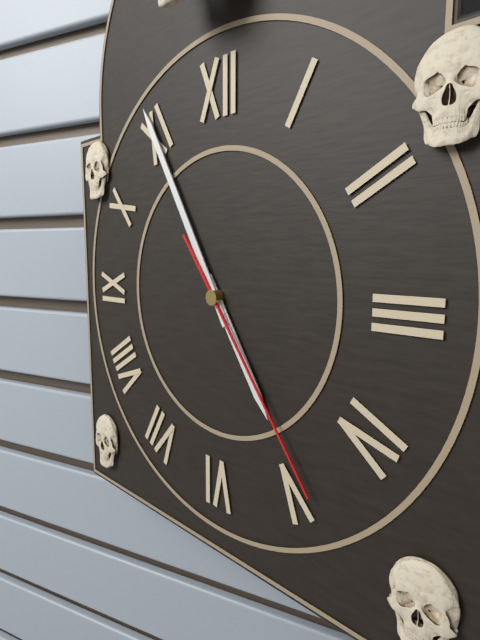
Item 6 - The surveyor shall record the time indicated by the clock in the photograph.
4:55:24
